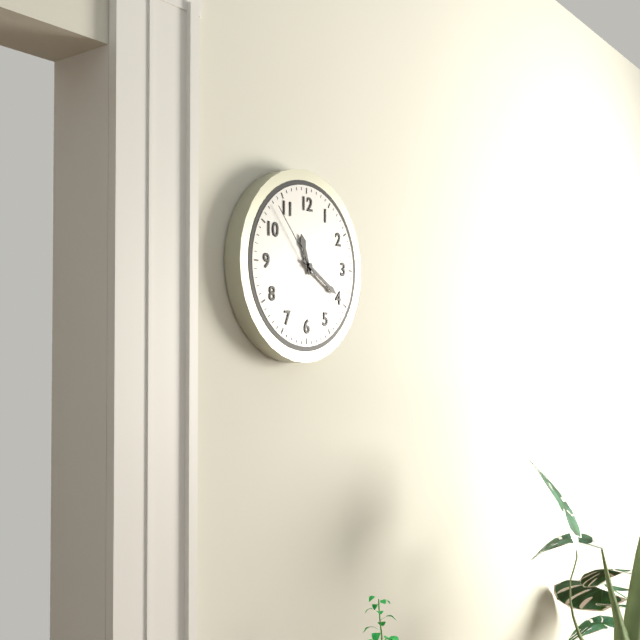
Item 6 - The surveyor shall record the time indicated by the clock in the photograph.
11:20:53
